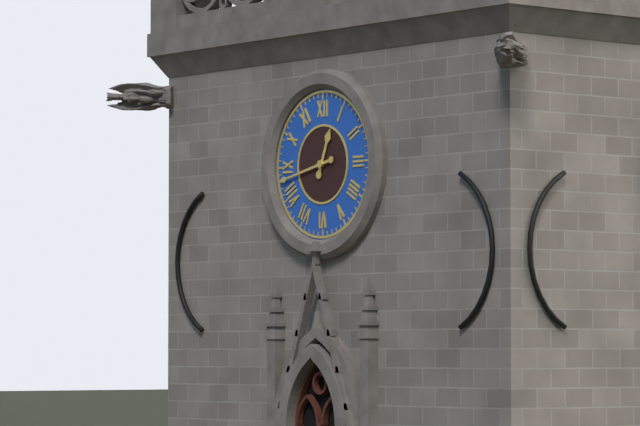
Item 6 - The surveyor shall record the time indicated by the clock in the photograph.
12:43
